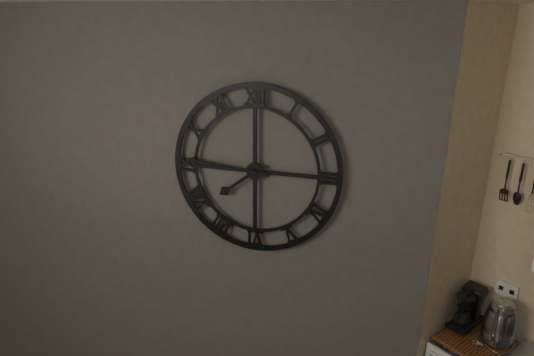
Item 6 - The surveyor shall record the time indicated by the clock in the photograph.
7:46
